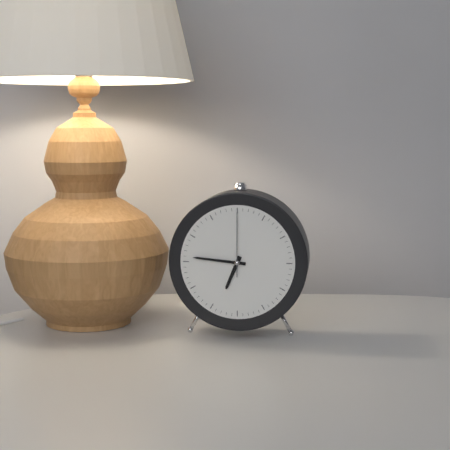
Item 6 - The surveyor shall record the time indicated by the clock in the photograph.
6:46:00
